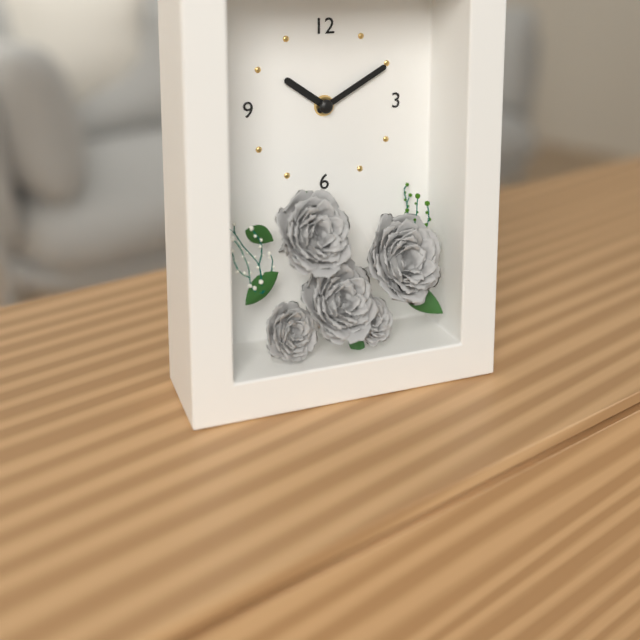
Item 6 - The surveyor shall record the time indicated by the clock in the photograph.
10:10
